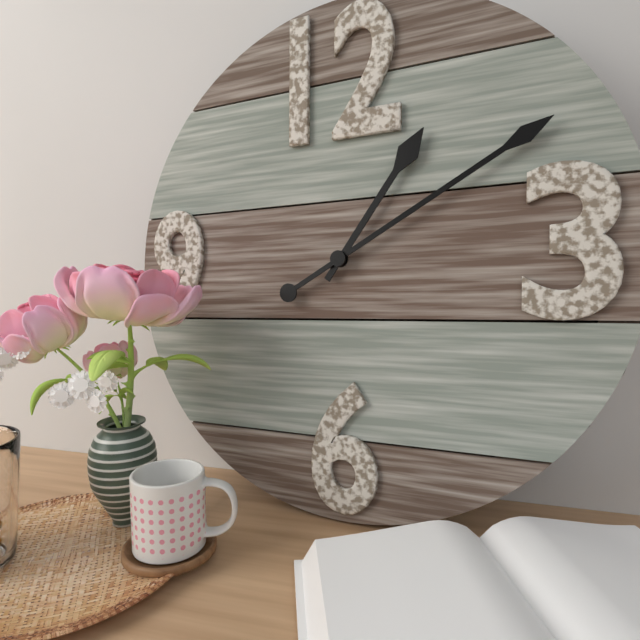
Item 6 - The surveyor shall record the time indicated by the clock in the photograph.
1:10
